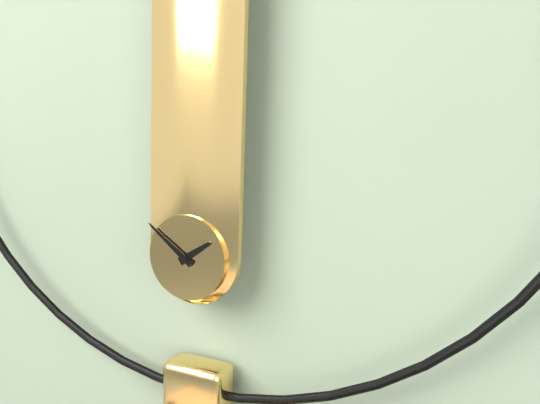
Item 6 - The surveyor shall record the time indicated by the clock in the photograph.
1:51
